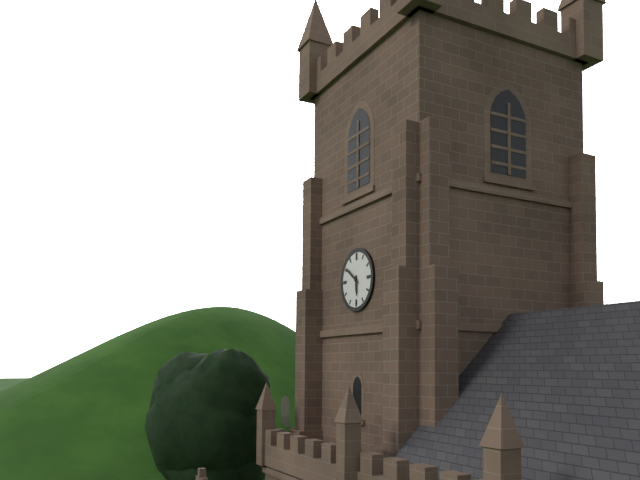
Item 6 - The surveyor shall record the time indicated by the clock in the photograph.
5:51
